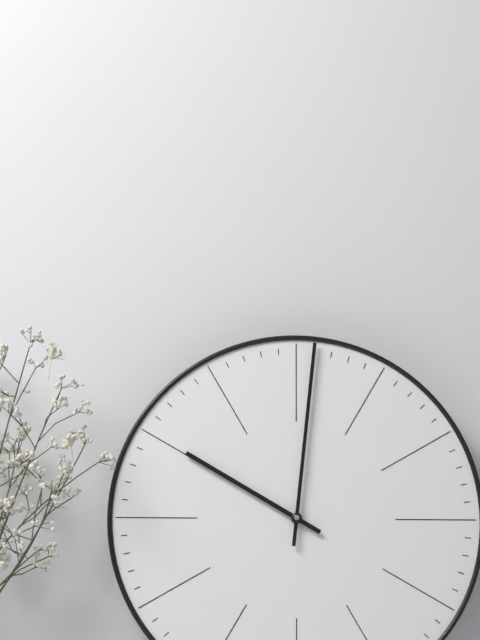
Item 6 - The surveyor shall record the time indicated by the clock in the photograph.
10:01
